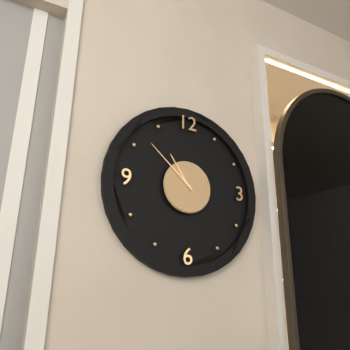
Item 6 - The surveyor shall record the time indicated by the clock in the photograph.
10:52
